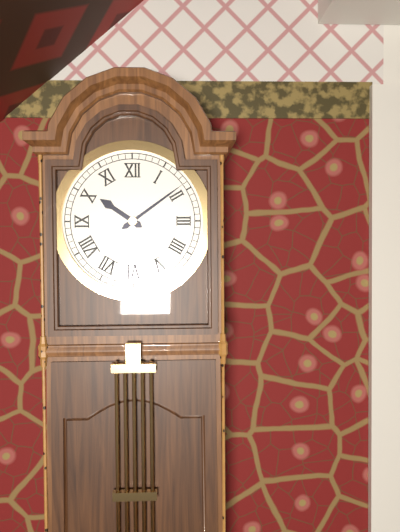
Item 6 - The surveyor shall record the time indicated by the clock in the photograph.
10:09
